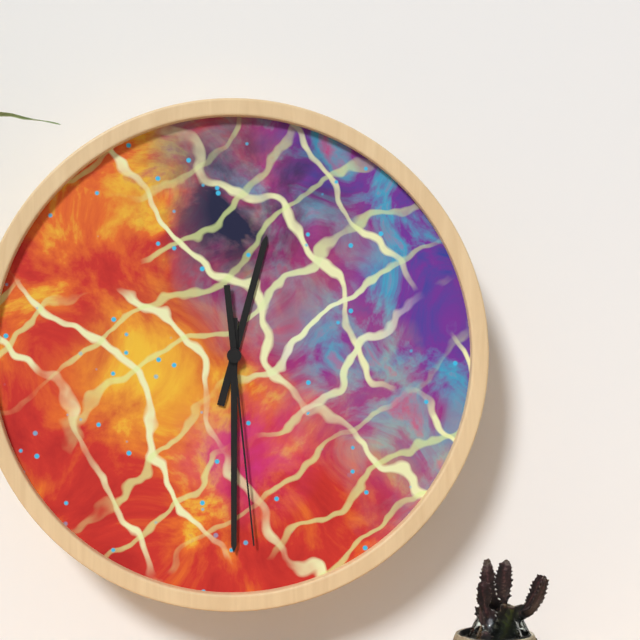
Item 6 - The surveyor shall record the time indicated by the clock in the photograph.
12:30:29
